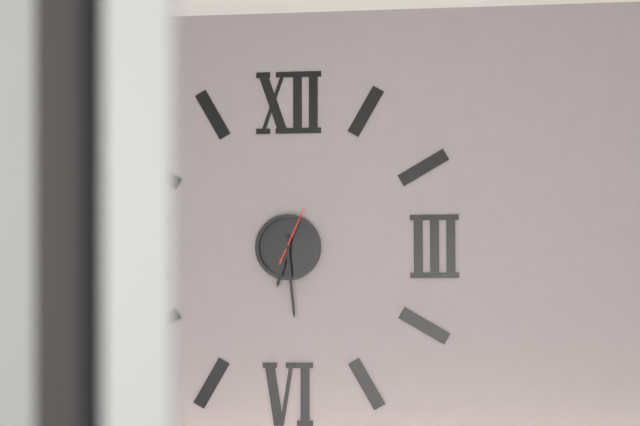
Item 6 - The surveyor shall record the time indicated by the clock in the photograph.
6:29:04
